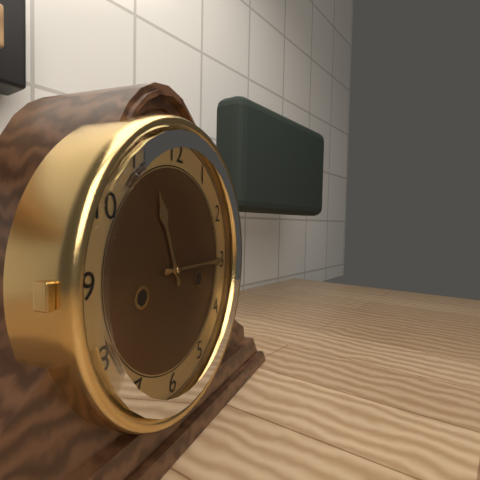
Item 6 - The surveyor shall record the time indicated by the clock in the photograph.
11:15
